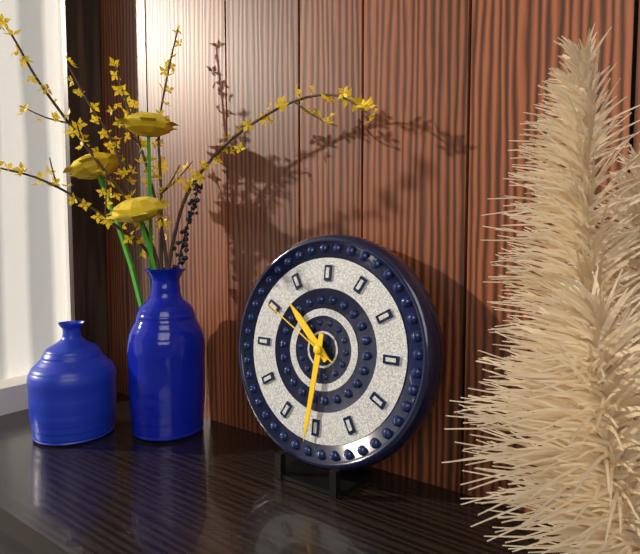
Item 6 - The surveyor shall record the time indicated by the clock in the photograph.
10:31:50
